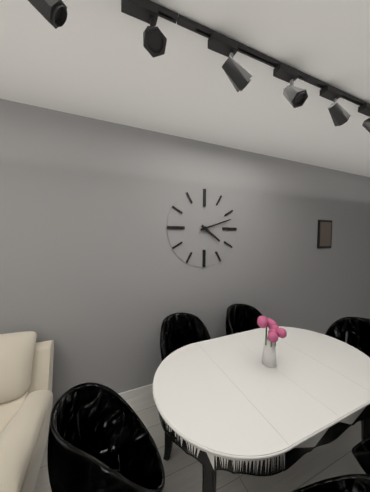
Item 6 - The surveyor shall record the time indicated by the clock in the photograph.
4:12
